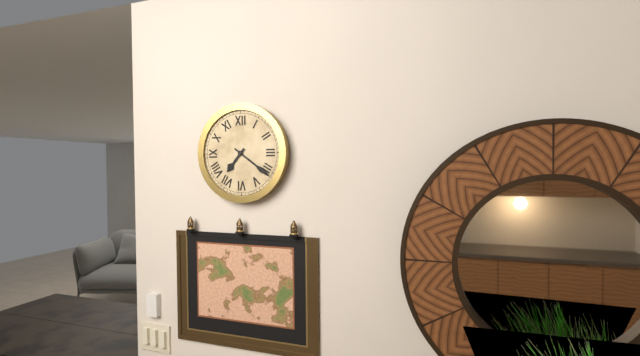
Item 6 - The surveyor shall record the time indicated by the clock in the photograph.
7:21
